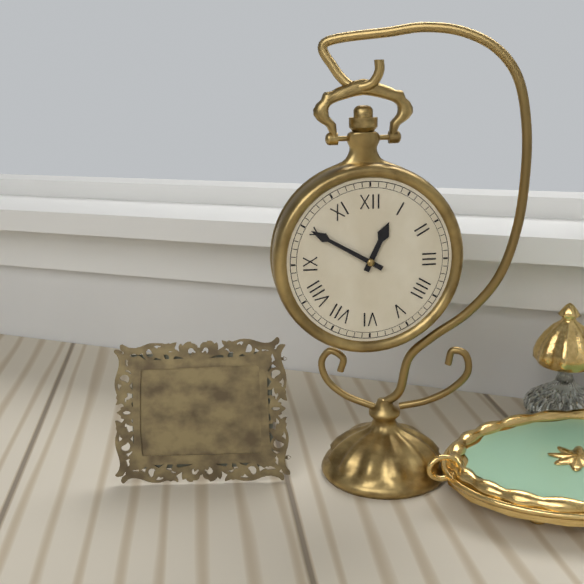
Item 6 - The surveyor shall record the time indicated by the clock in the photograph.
12:50
